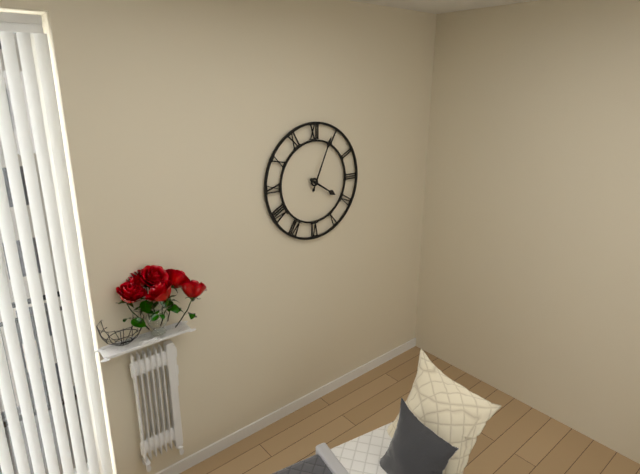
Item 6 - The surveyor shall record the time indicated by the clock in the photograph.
4:04
